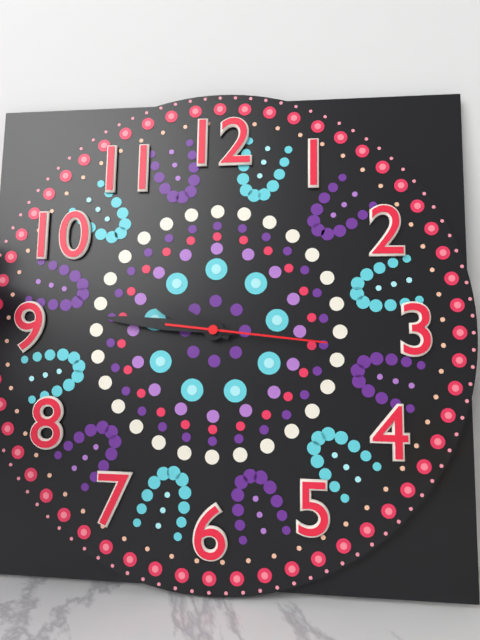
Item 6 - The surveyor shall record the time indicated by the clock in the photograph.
9:46:16
